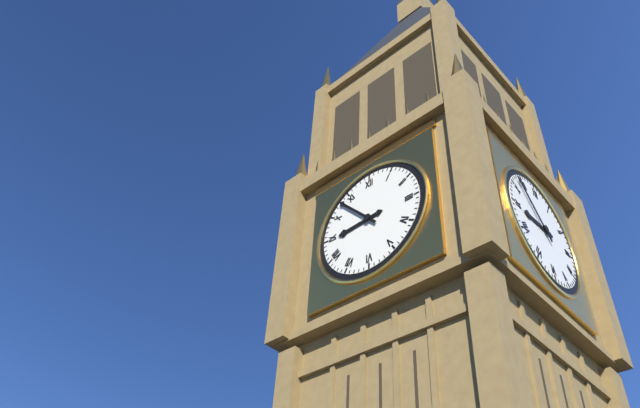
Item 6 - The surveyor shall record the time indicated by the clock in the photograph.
8:53
